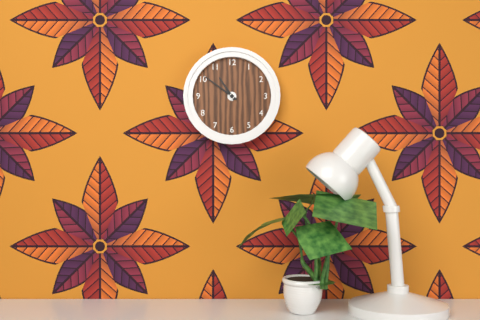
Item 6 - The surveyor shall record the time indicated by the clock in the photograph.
10:51
